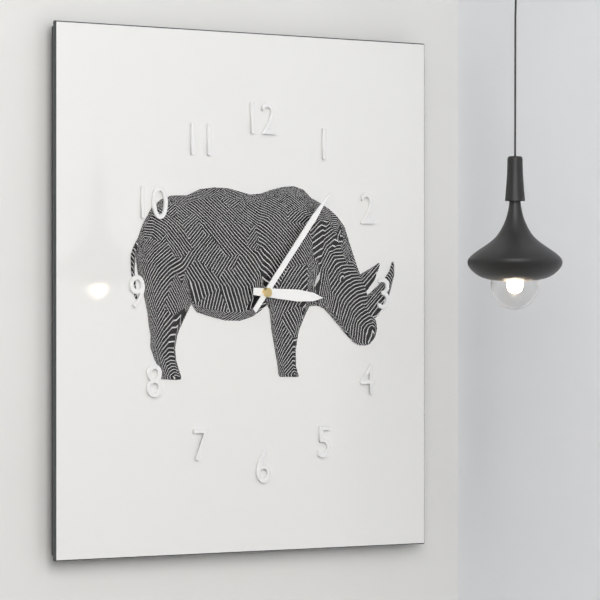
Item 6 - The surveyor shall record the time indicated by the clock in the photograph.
3:07
